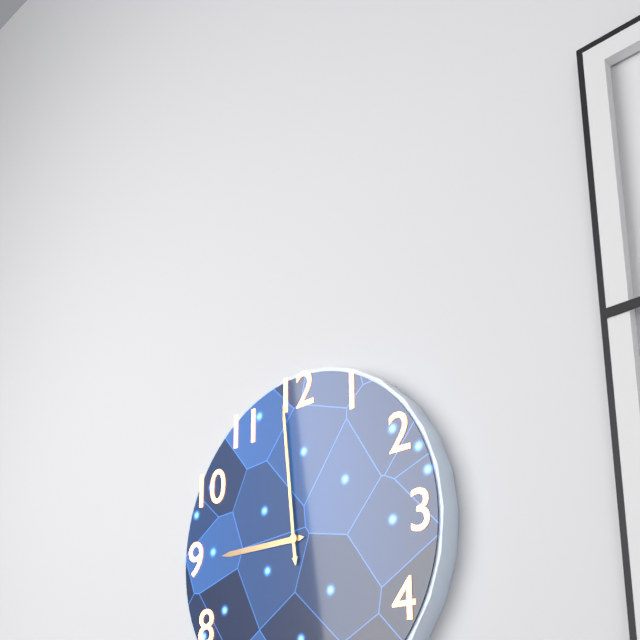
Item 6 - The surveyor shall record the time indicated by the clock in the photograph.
8:59
